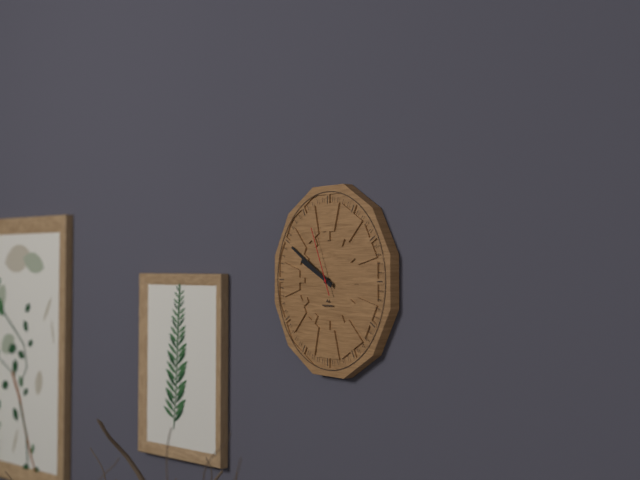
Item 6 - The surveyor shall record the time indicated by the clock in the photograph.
9:50:56
